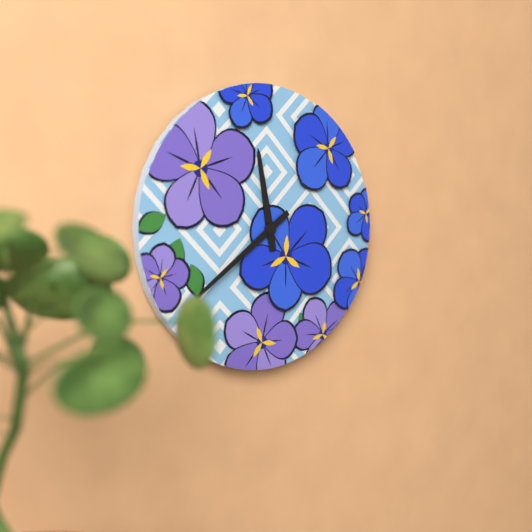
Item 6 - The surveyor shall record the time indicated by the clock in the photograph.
11:39
